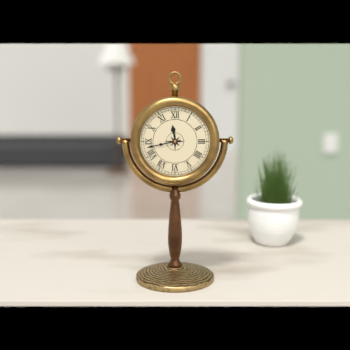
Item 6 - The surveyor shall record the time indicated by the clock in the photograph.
11:43
